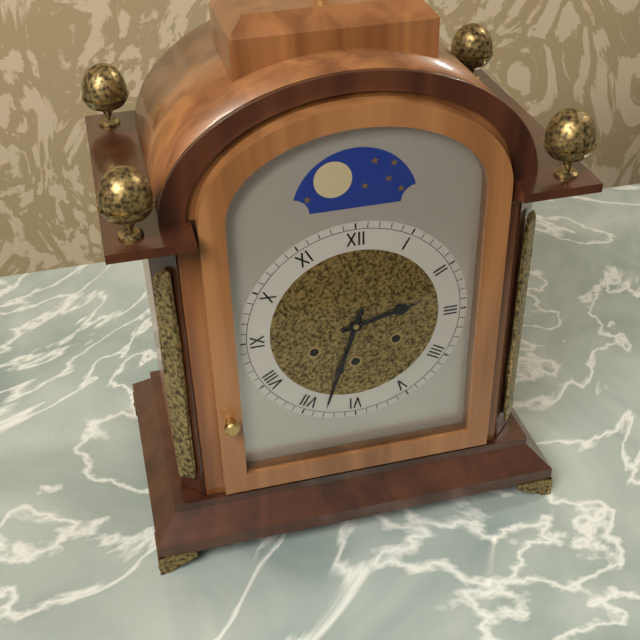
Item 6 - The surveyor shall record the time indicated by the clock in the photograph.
2:33
